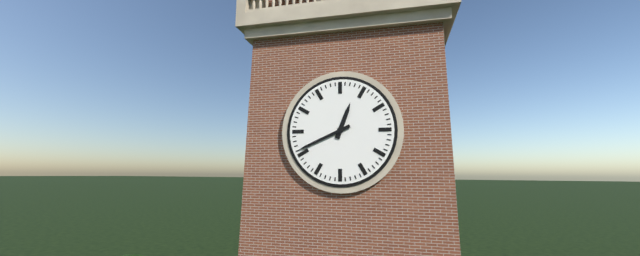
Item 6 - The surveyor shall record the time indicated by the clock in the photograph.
12:41
